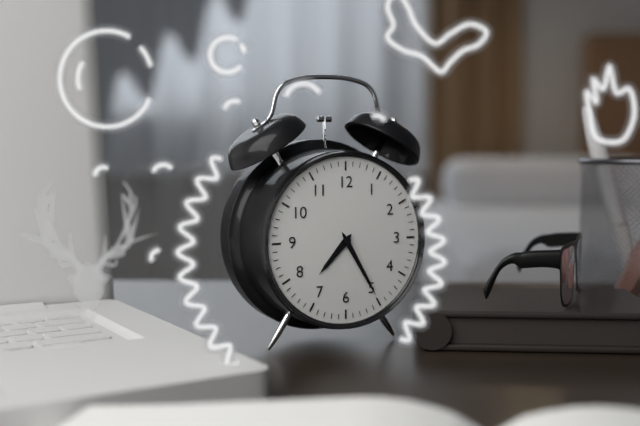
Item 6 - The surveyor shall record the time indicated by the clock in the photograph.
7:25
